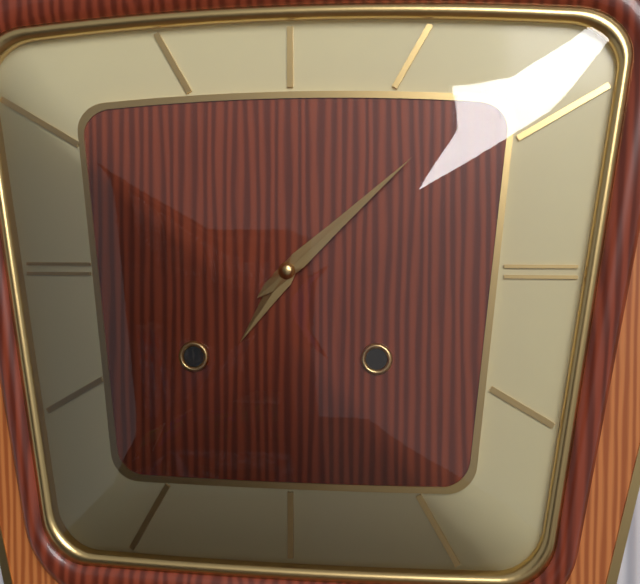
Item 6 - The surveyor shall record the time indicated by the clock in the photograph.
7:08
